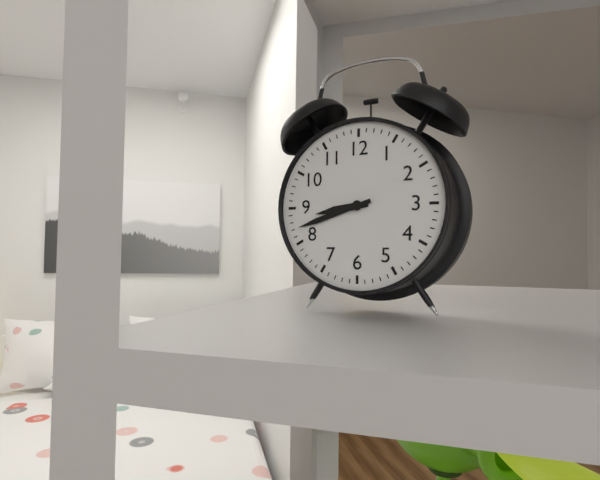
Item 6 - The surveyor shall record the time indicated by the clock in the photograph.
8:42
